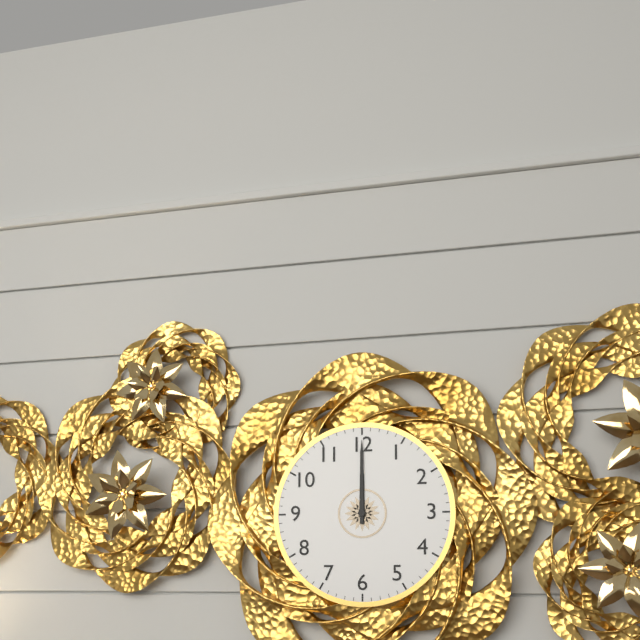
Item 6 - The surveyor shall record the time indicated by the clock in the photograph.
12:00
